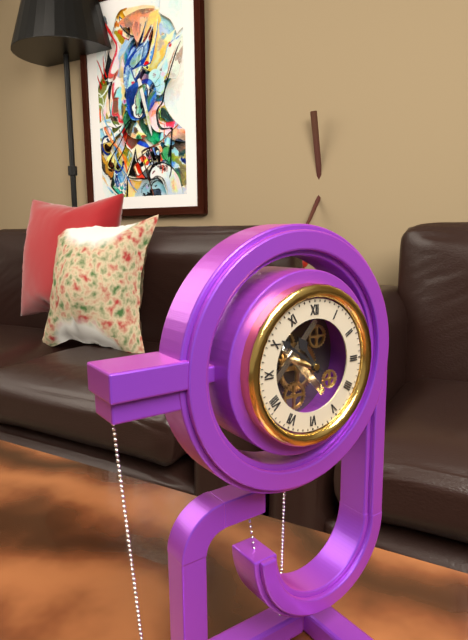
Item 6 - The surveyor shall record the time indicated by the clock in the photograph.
10:51
